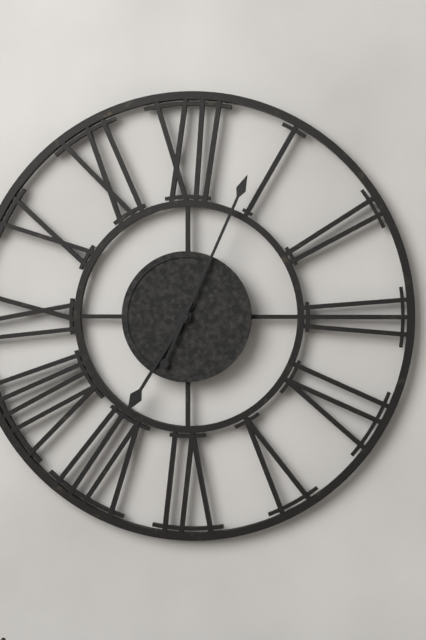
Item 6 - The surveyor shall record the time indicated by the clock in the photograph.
7:04
